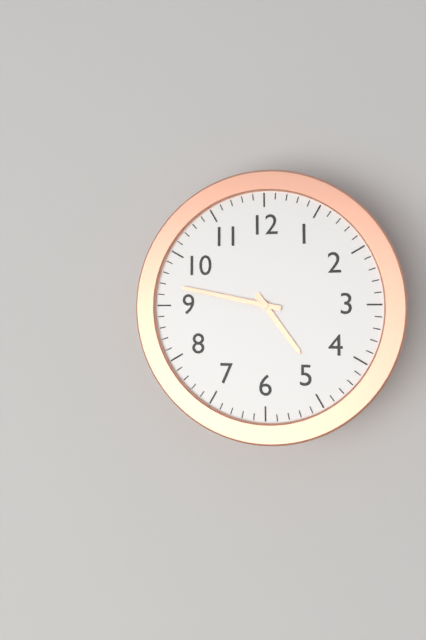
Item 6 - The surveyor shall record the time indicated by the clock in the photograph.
4:47
